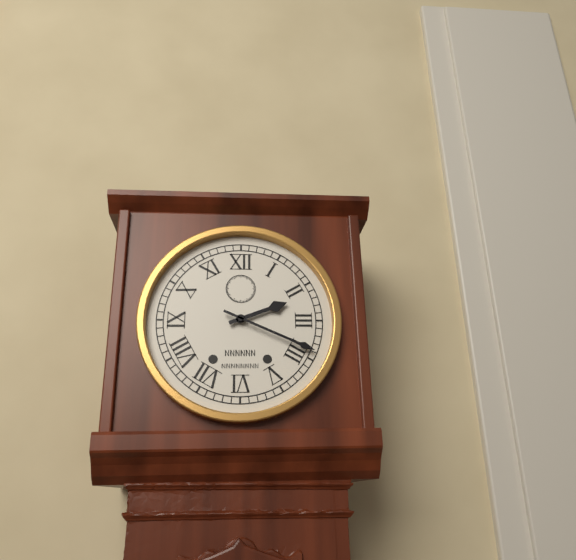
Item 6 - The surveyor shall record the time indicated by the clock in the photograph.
2:19
